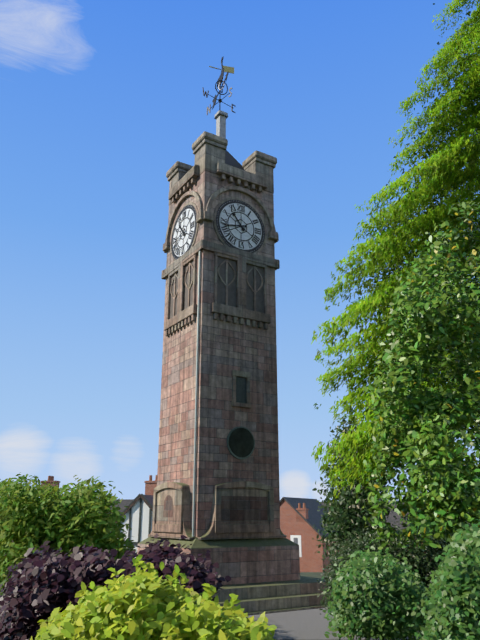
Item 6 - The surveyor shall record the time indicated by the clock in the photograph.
10:43
